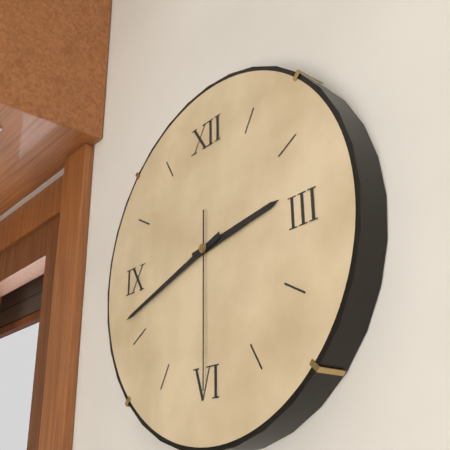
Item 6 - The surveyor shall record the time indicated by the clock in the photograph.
2:42:30
